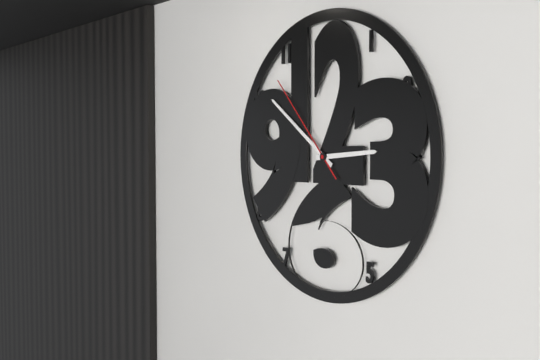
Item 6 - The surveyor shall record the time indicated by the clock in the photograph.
2:51:53
